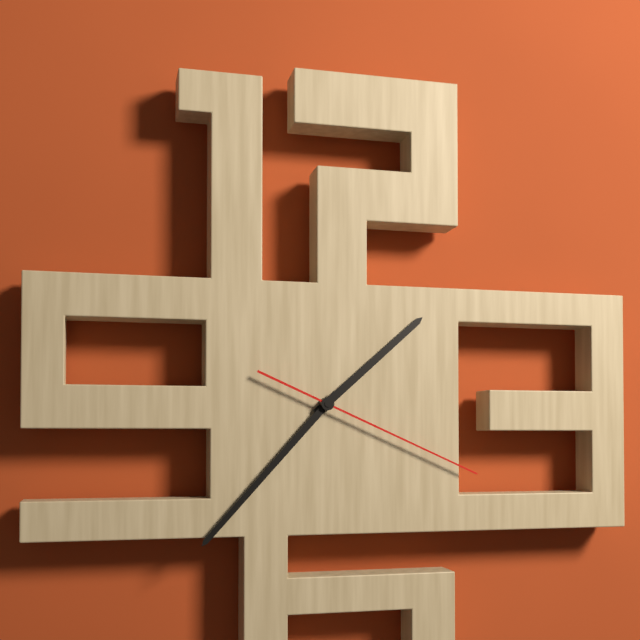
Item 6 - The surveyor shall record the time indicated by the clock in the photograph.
1:37:19
